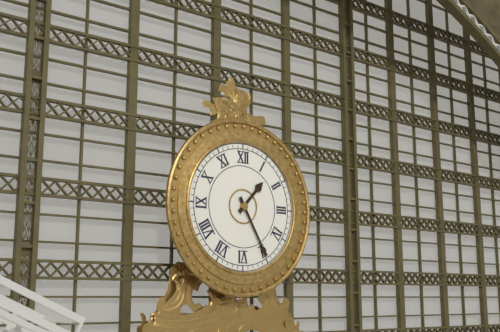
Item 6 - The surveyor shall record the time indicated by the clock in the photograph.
1:25
